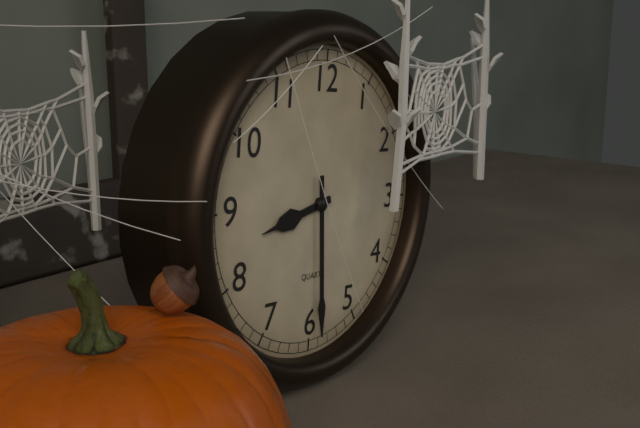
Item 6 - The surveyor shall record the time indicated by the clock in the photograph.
8:29
